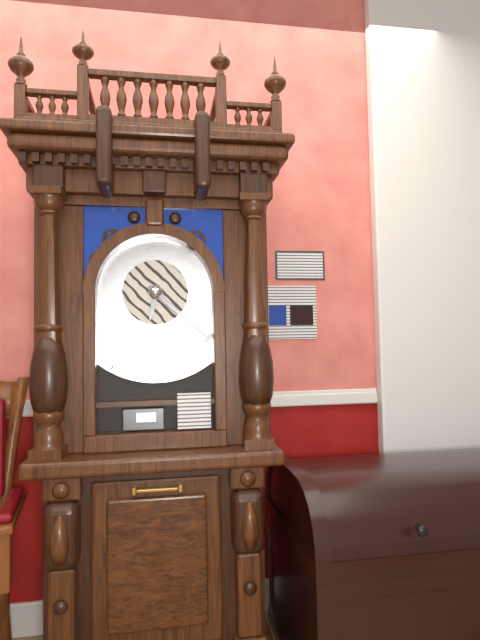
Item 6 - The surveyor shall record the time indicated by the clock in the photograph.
6:22
